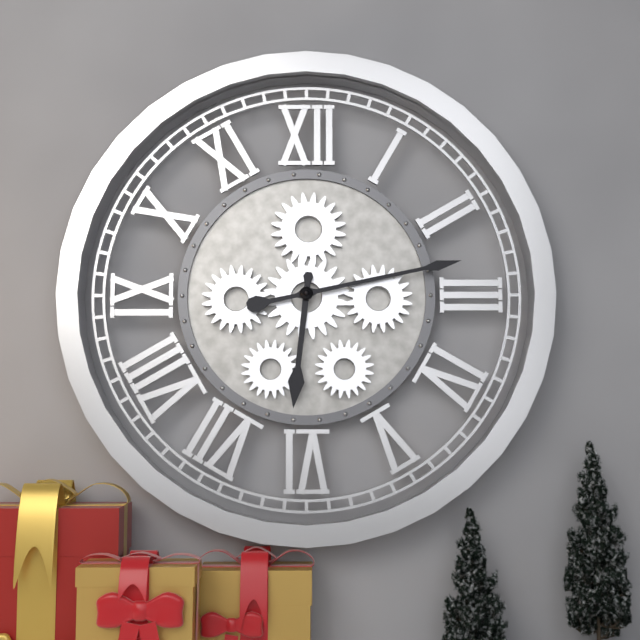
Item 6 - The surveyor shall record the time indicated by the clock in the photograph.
6:13
